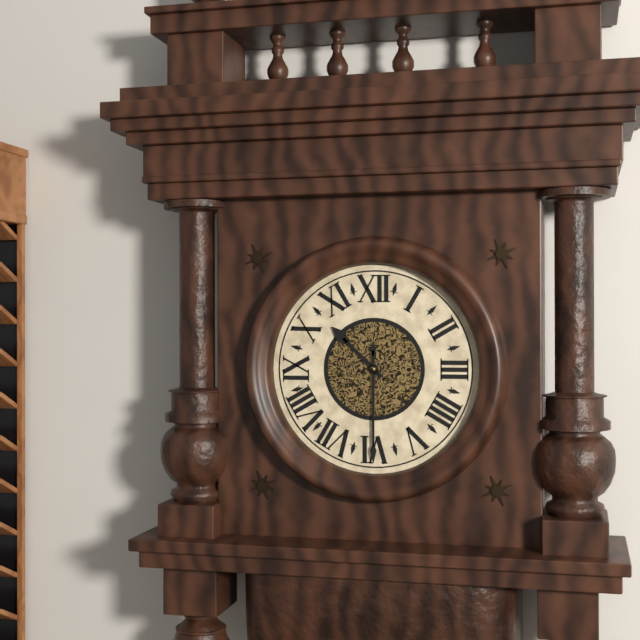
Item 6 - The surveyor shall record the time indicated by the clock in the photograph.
10:30
